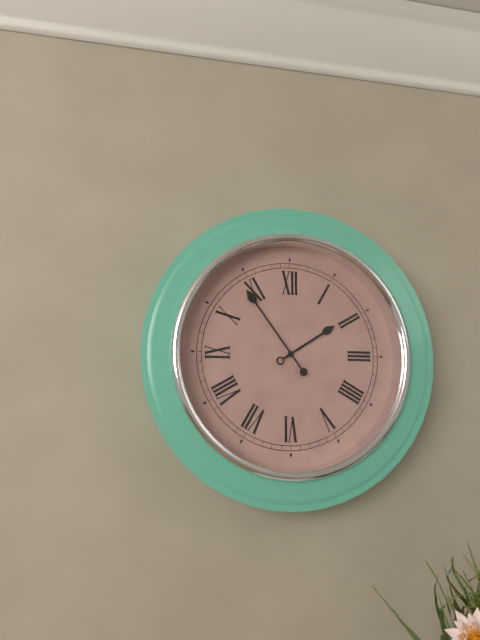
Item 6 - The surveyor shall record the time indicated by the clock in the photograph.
1:54
